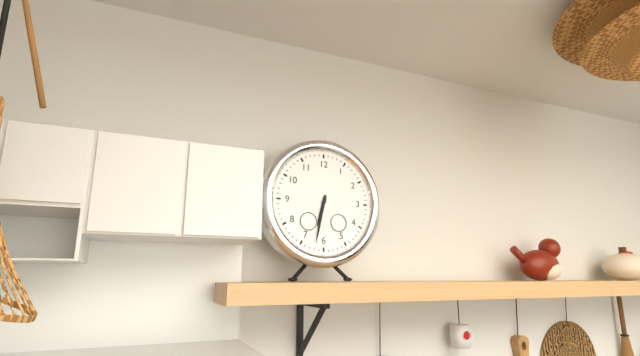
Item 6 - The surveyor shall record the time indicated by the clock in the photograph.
6:32
